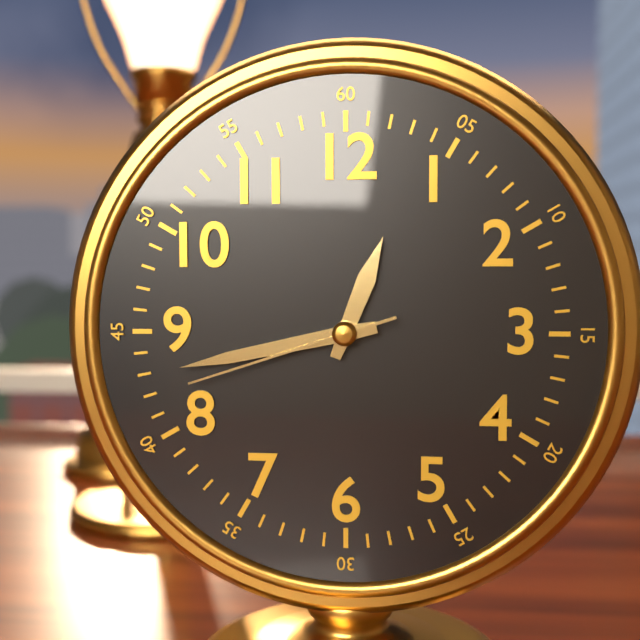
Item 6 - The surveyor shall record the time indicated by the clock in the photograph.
12:43:42
